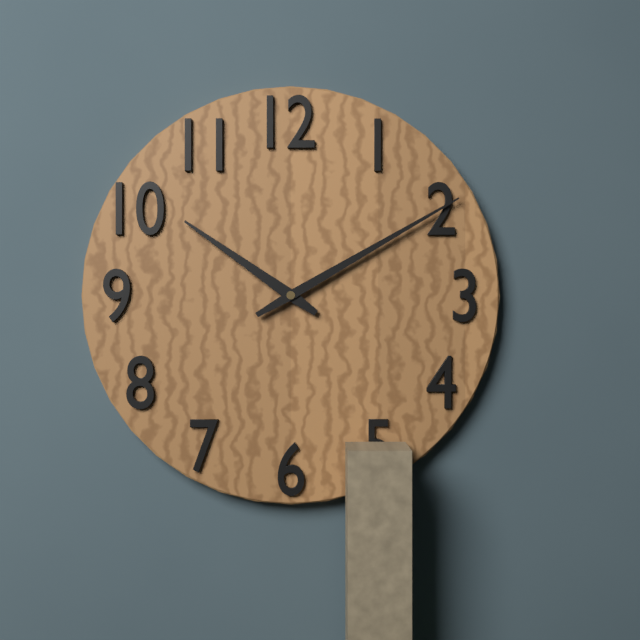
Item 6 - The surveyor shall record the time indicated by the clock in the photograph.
10:10
